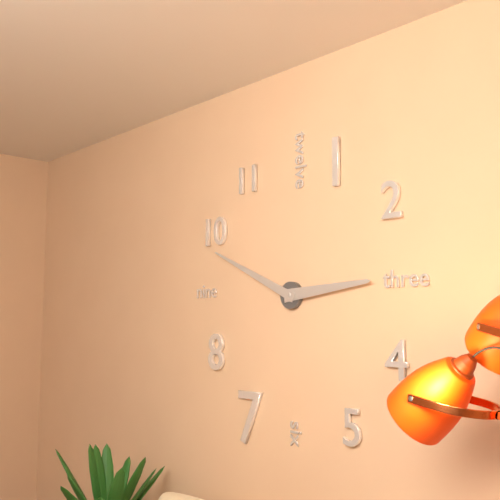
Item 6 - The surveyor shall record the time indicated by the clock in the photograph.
2:49
